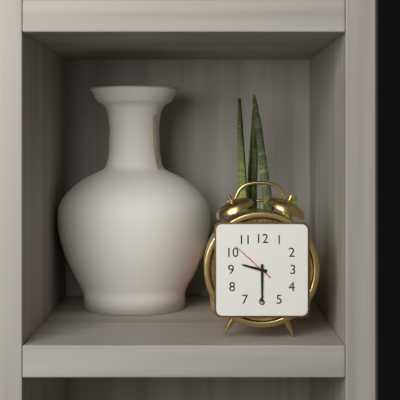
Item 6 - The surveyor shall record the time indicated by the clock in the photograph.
9:30
